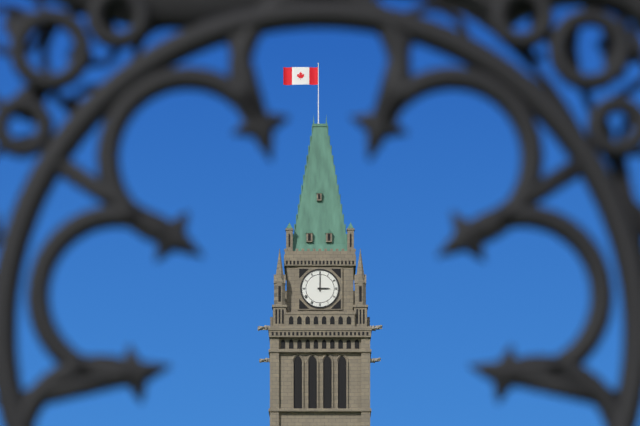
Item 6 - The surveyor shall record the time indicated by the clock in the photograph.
3:00
